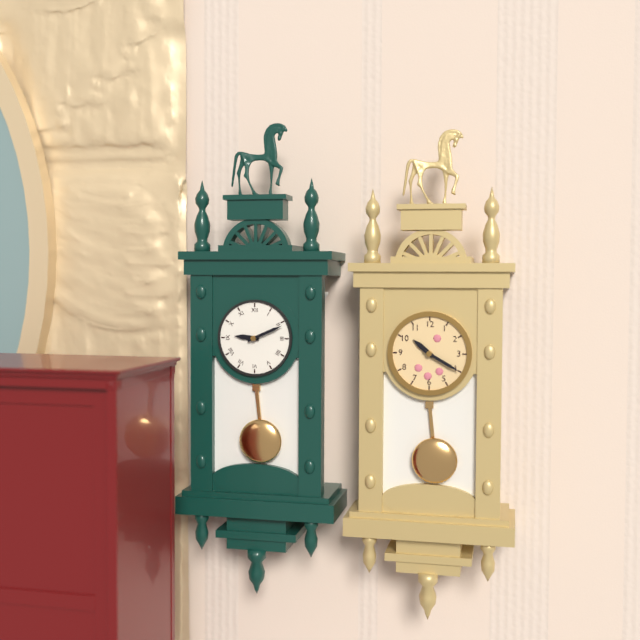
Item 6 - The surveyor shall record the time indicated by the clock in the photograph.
9:11
